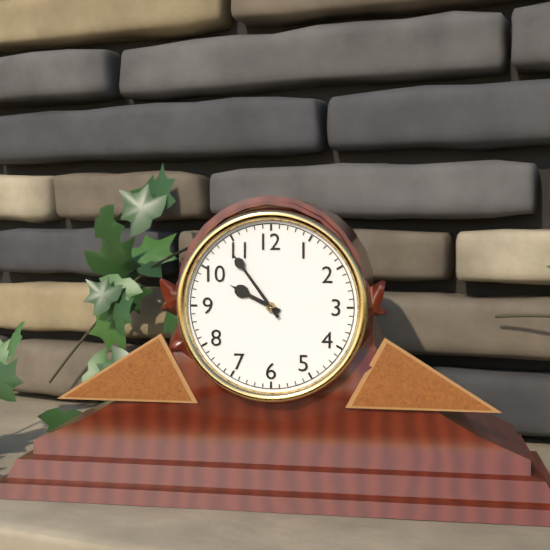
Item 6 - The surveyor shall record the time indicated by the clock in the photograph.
9:54
